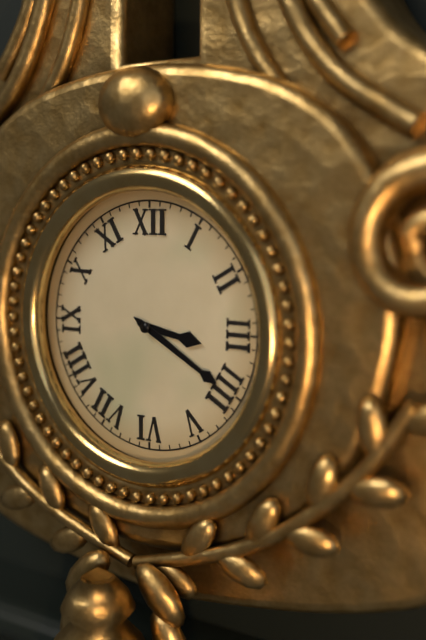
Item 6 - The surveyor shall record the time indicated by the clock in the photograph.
3:20
